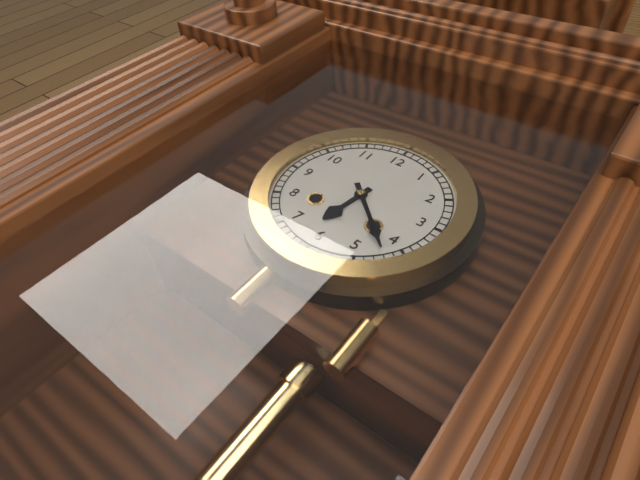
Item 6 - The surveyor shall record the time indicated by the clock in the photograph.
6:22
